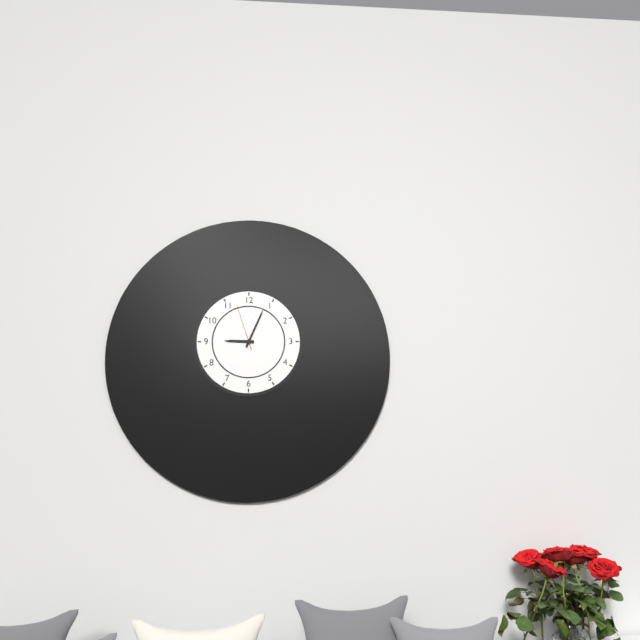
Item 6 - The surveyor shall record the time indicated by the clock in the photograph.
9:04
